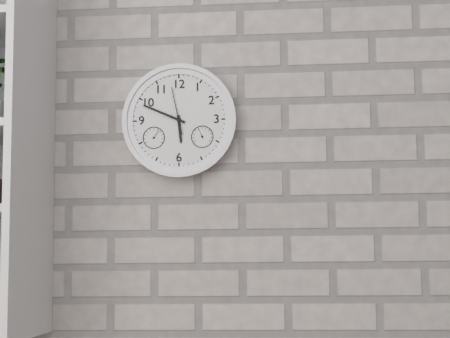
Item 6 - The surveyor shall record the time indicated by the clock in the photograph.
5:49
